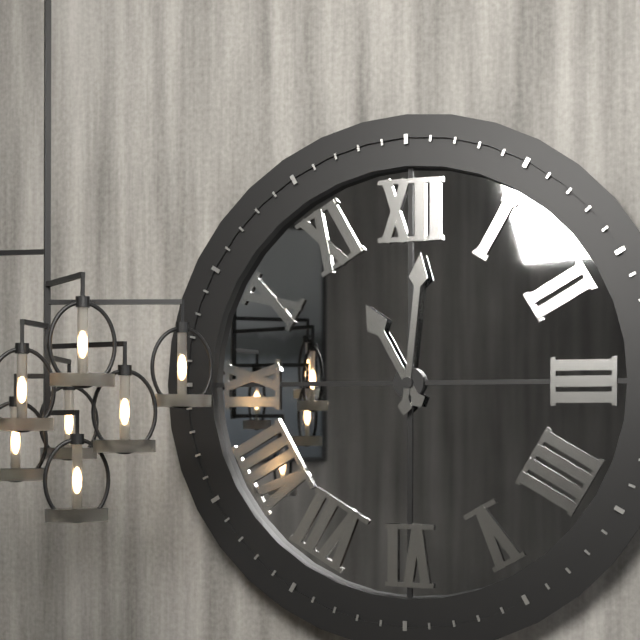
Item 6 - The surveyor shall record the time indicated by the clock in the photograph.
11:01
